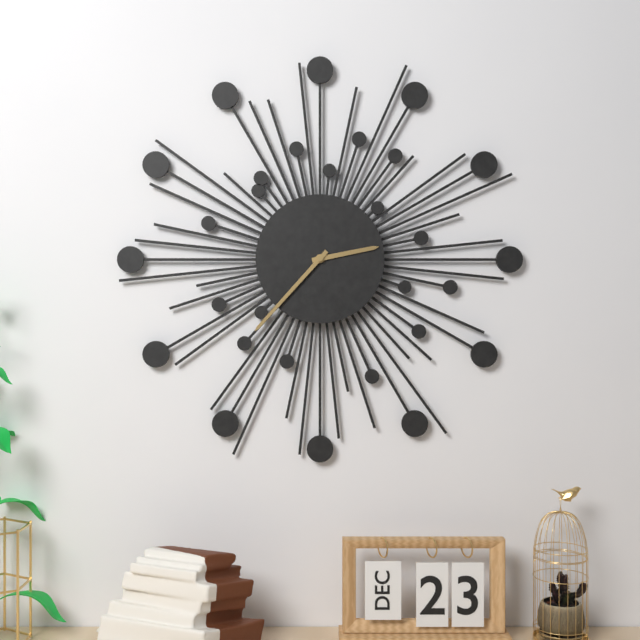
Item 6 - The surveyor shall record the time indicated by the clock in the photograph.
2:37
